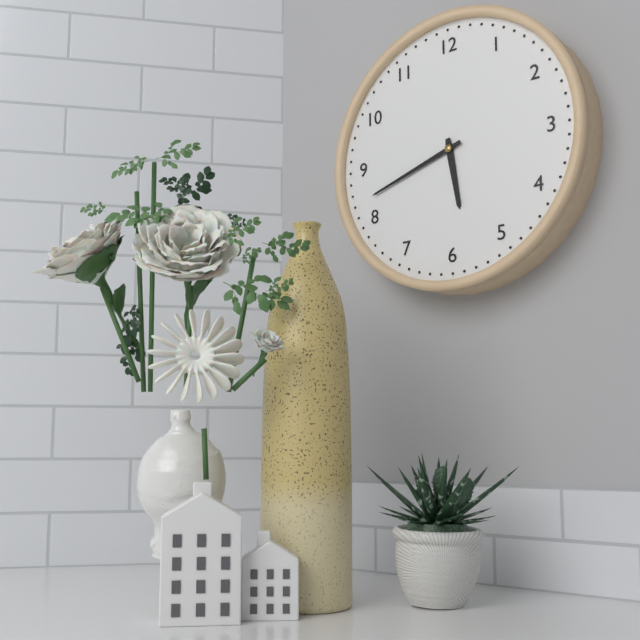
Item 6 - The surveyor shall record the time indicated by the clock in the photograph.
5:42
